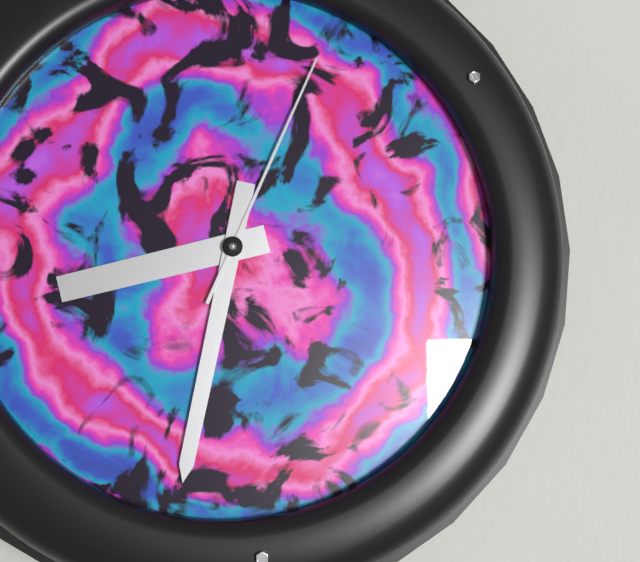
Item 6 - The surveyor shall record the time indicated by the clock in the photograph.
8:32:04
